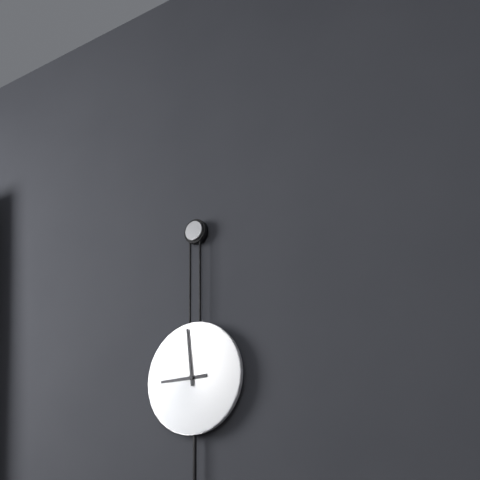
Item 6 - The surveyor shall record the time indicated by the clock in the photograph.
8:59
